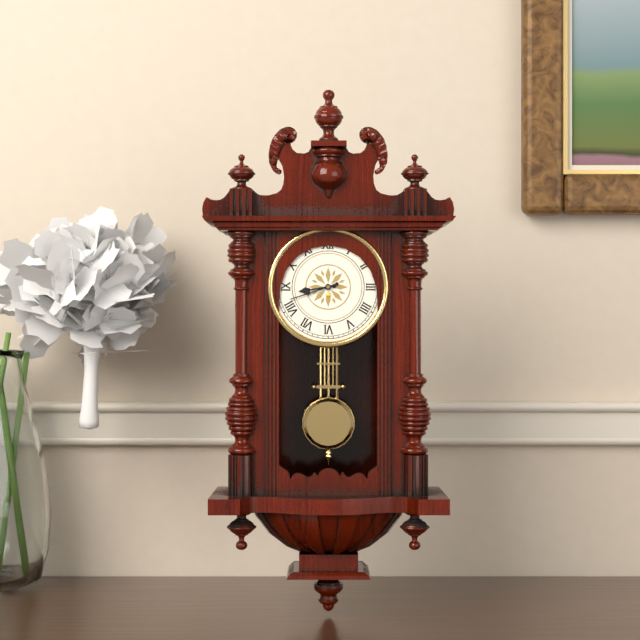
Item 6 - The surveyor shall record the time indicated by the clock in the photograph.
8:42
